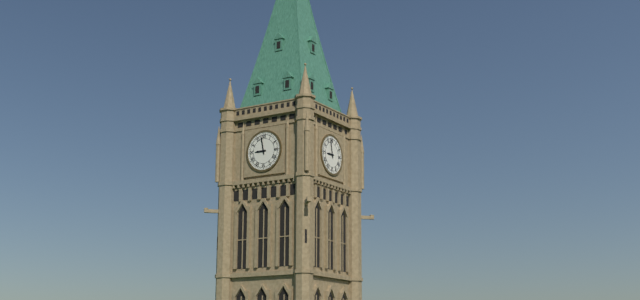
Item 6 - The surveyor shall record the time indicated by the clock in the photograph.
8:58
